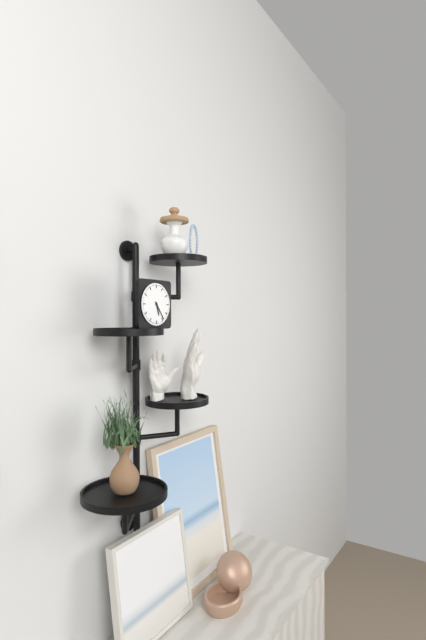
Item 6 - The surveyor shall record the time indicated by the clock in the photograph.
5:24
